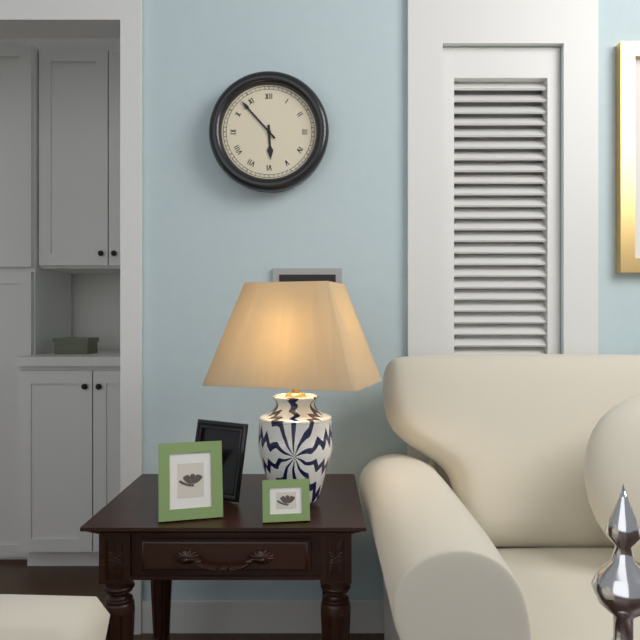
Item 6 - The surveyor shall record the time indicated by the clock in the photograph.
5:53
